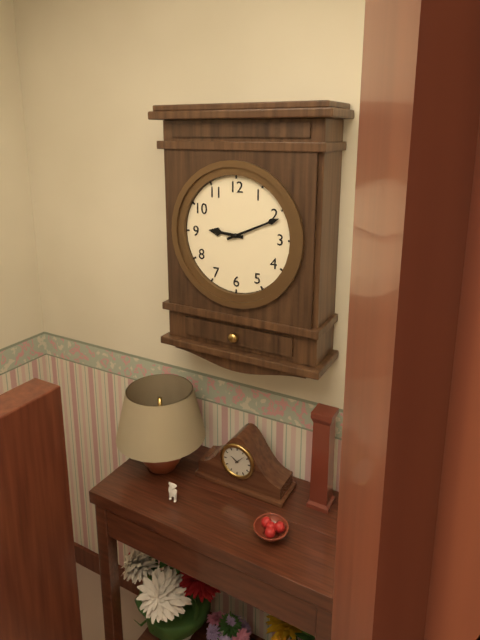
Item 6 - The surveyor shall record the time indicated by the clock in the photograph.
9:11
